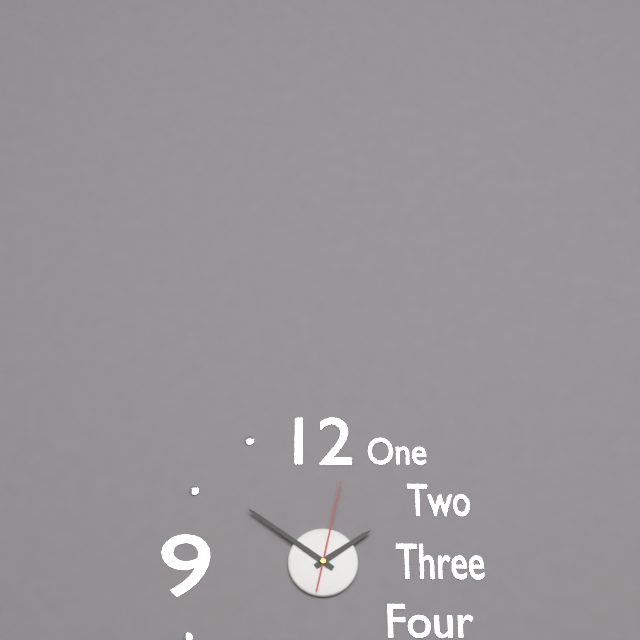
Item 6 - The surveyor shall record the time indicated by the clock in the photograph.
1:51:02
